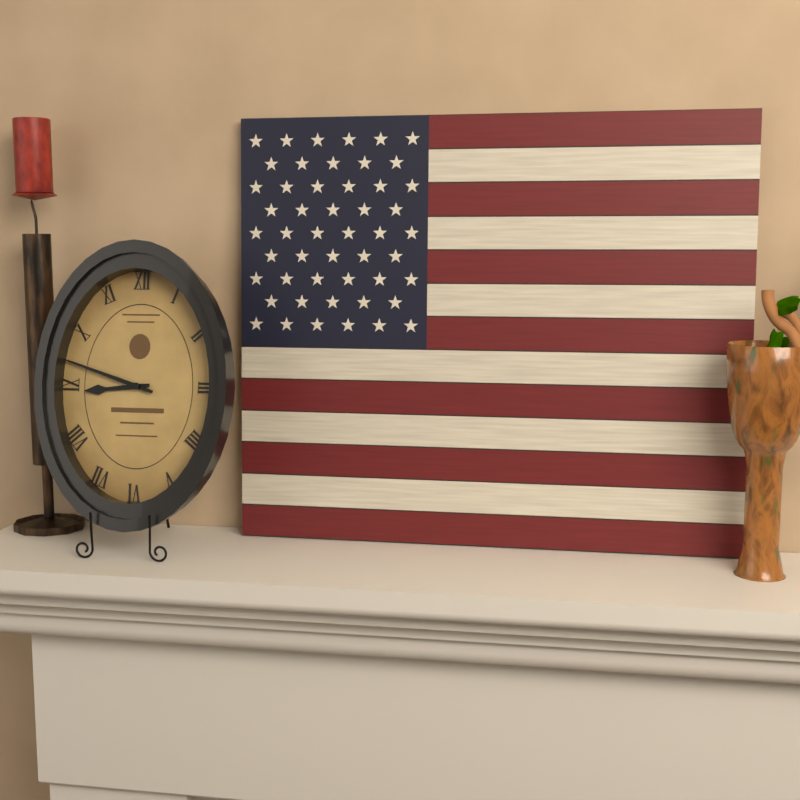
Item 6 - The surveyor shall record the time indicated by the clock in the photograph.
8:48
